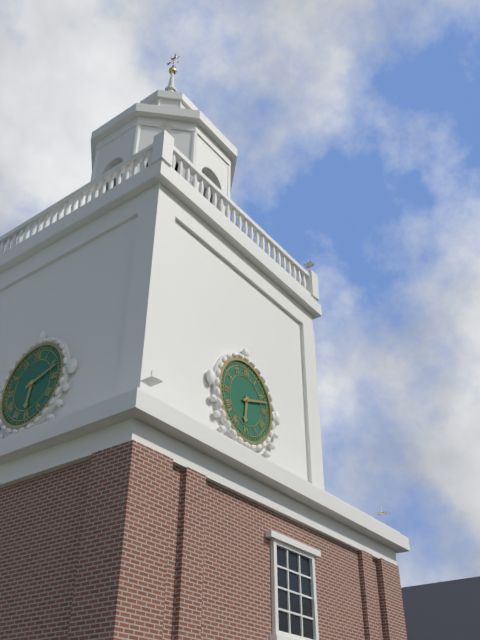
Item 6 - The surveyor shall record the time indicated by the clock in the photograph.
6:12
